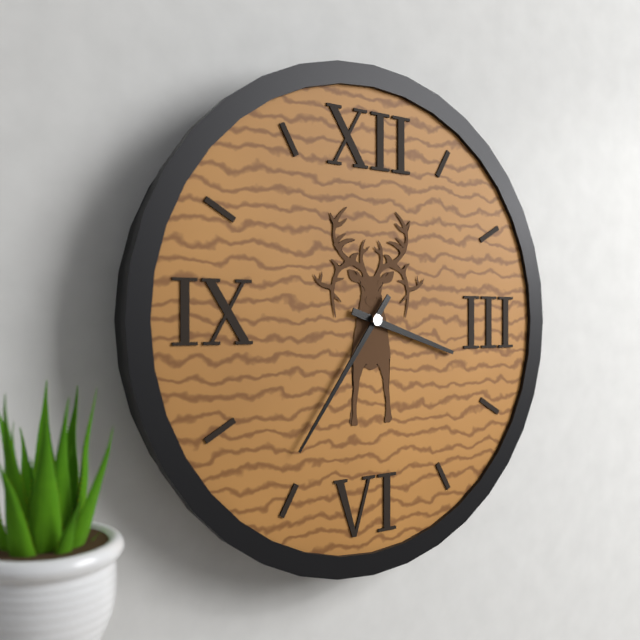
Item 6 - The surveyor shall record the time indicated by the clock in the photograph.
3:36
